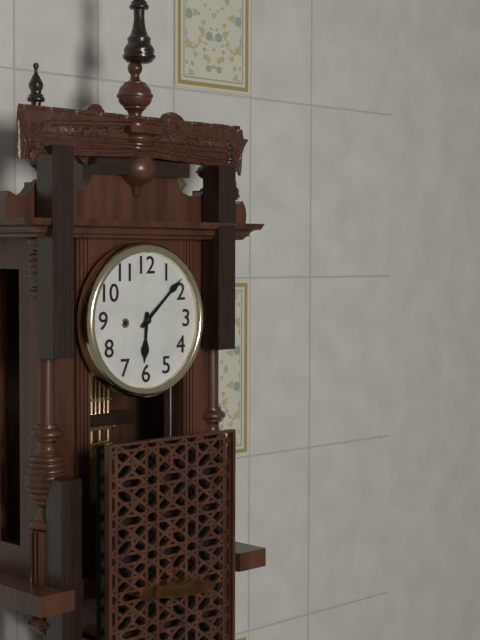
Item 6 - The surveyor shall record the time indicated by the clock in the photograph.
6:08
